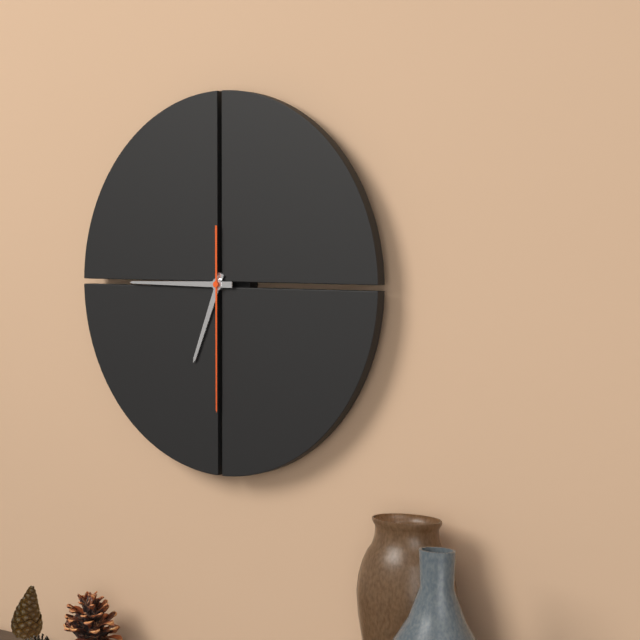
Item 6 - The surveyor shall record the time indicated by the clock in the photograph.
6:45:30
